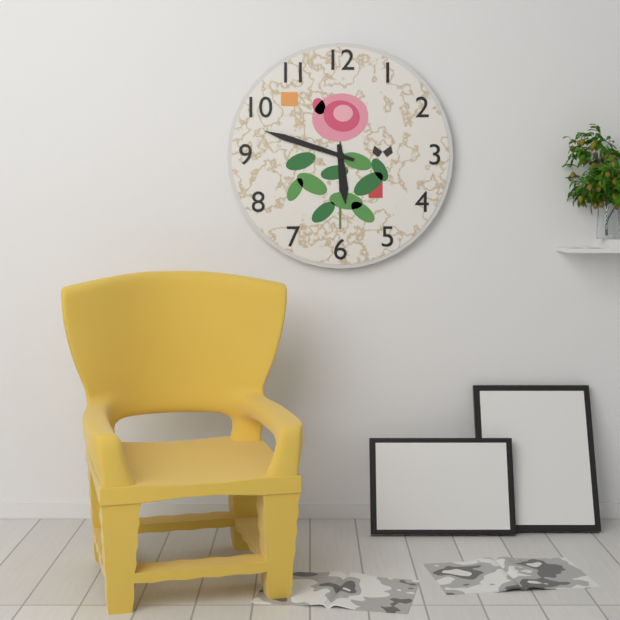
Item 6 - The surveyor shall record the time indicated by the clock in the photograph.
5:48
